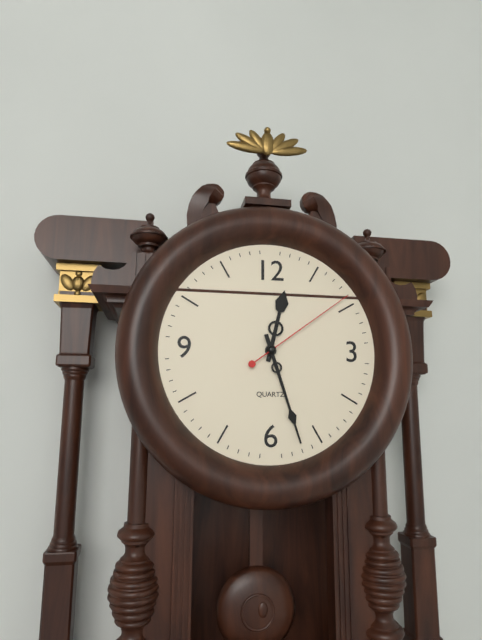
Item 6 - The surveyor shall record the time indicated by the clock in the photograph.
12:27:09
